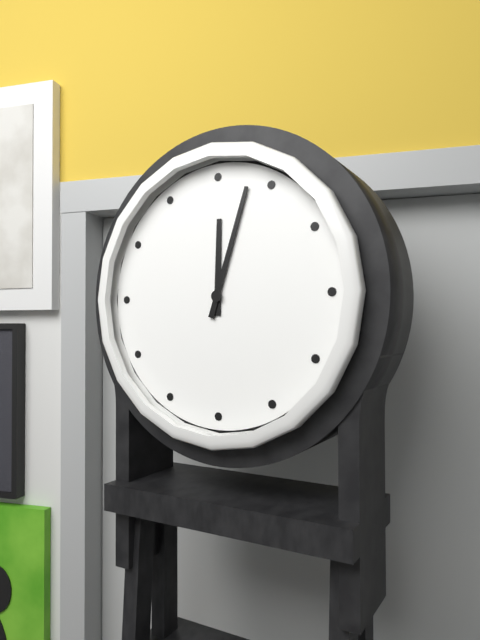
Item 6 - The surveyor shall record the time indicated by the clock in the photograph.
12:03
